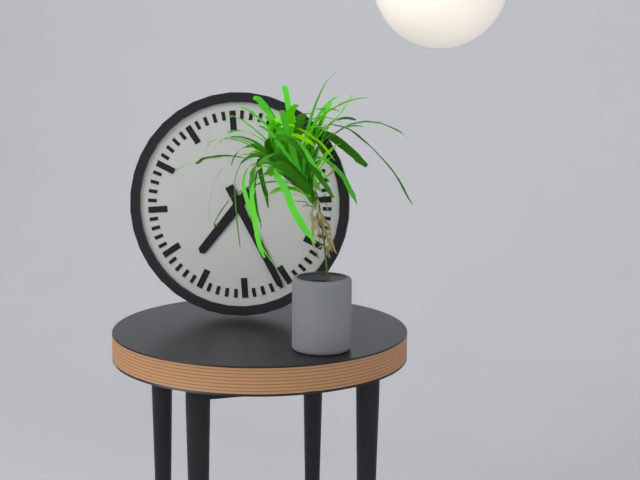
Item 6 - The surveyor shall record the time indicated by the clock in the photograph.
7:26
